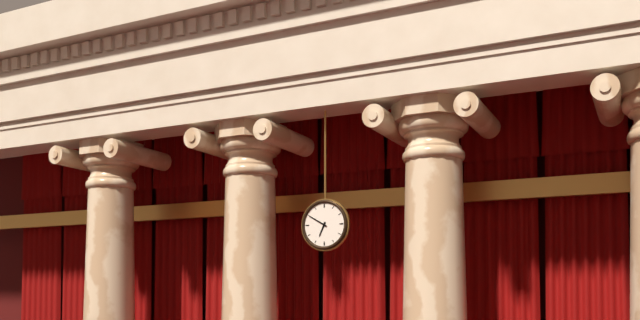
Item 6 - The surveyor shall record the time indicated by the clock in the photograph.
6:50
